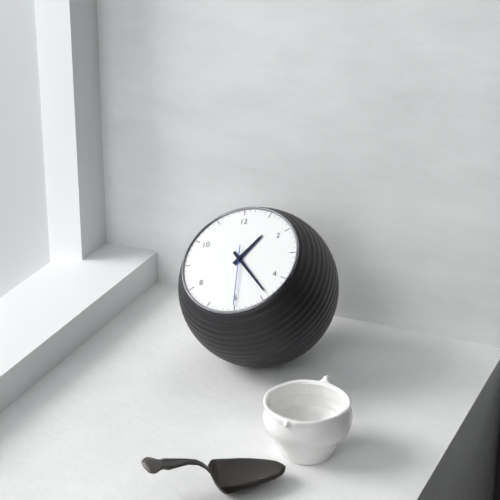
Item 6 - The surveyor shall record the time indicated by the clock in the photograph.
1:24:30
